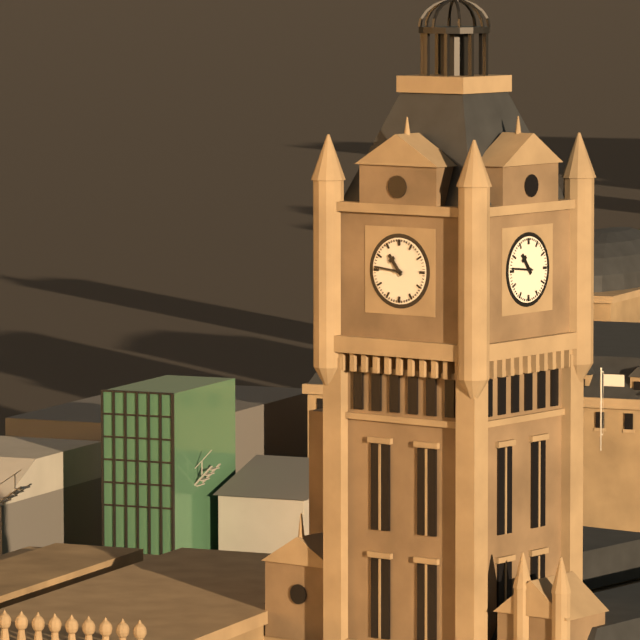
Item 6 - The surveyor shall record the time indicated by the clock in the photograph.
10:46
